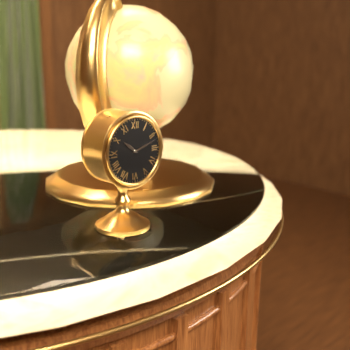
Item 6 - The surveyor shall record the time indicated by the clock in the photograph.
10:12
